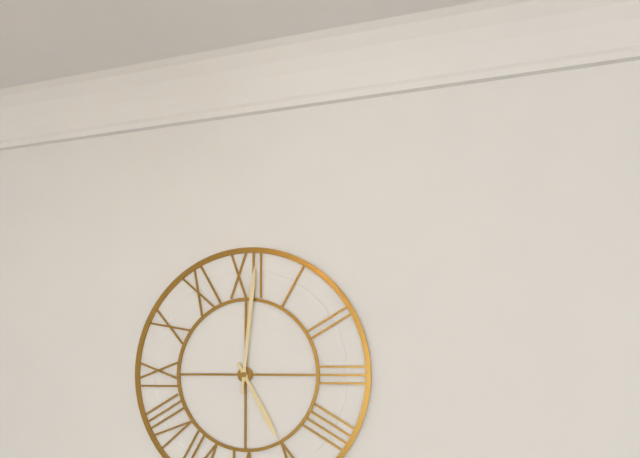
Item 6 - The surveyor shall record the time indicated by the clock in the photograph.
5:01
